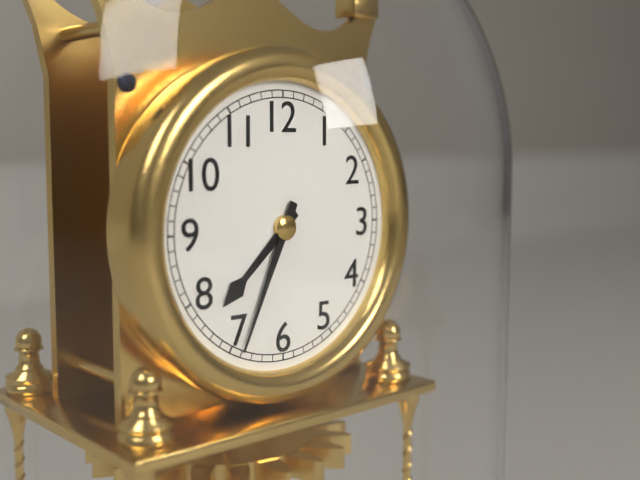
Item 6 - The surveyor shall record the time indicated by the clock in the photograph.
7:34
